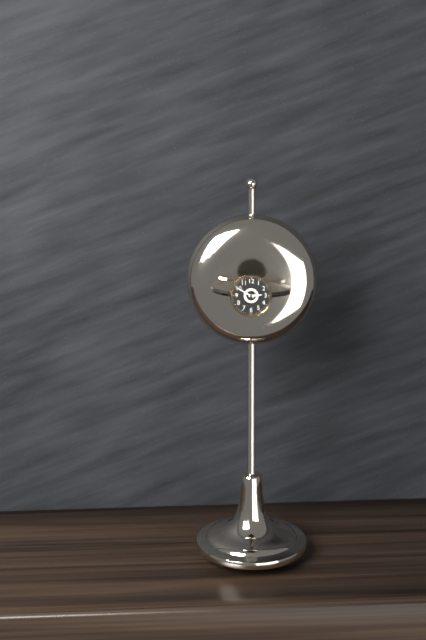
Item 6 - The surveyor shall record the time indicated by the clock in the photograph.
2:50
